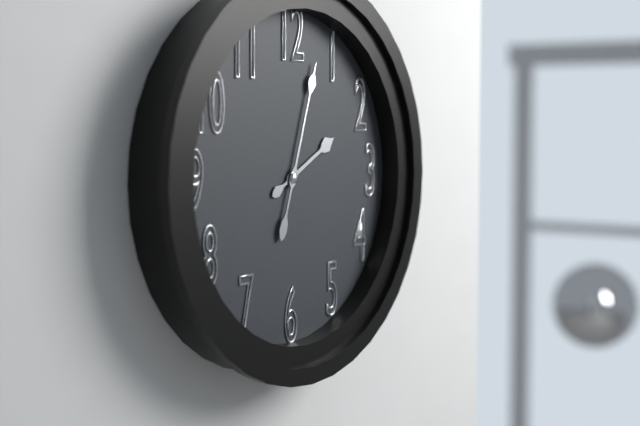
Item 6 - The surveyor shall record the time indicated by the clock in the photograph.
2:03
